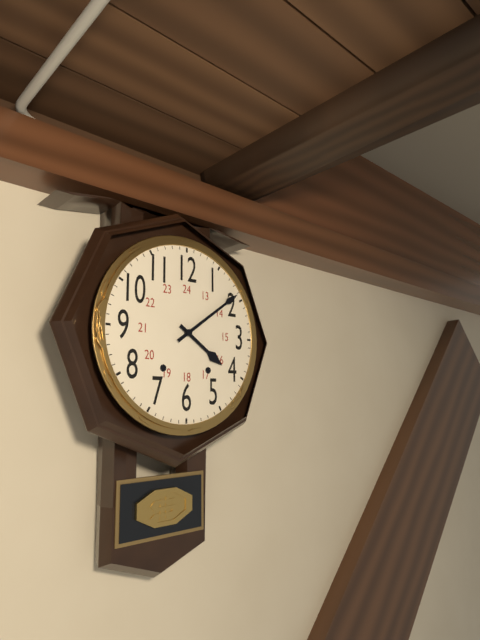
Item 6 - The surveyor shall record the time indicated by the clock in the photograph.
4:09
